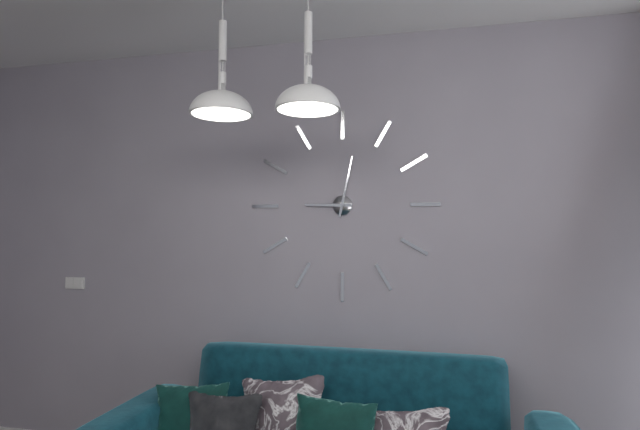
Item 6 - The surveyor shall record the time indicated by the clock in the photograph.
9:02
